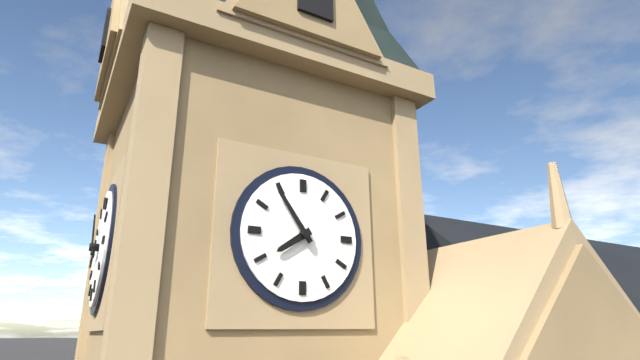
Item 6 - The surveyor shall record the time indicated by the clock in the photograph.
7:54
